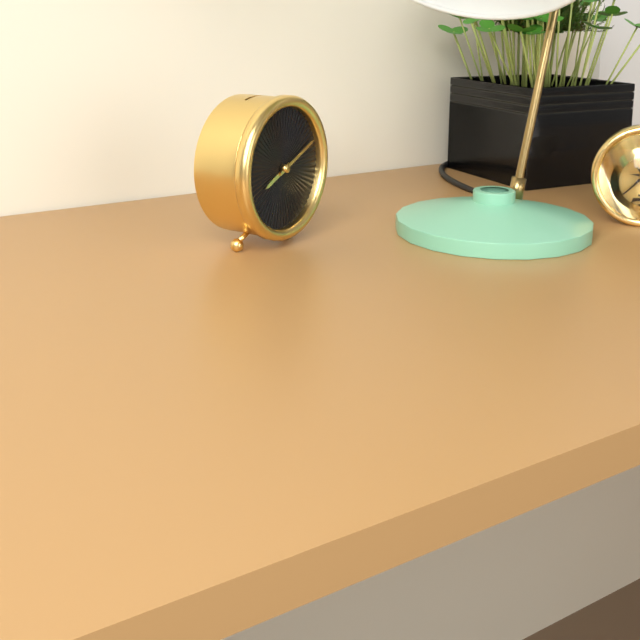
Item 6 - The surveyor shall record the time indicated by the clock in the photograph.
8:11
